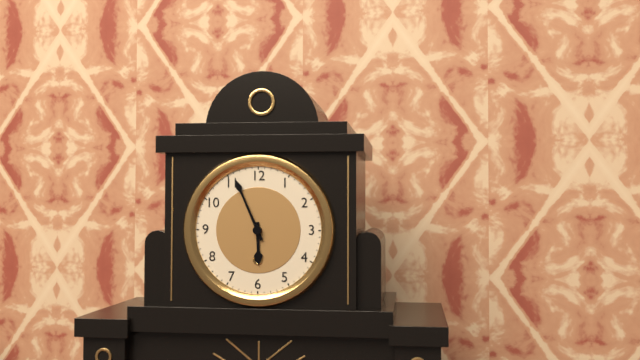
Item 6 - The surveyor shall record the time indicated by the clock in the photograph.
5:56
